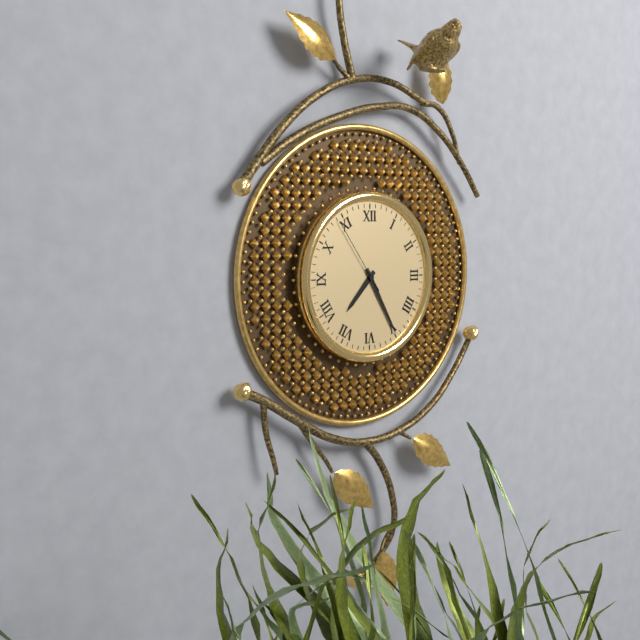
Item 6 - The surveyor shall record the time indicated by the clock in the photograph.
7:25:54
